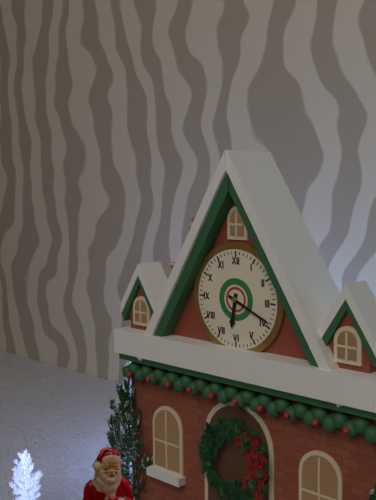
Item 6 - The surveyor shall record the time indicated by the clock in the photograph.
6:19
